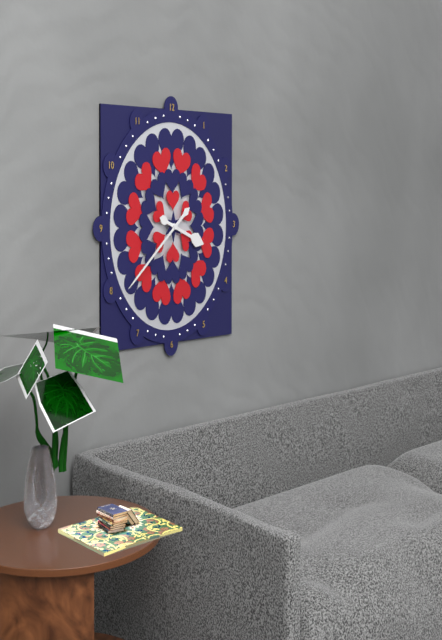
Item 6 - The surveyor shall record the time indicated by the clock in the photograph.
3:39
